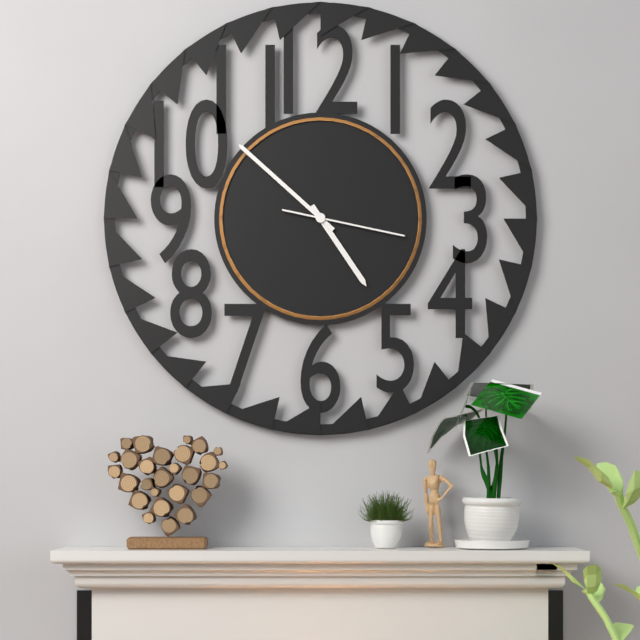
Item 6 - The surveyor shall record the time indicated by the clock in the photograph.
4:52:17
